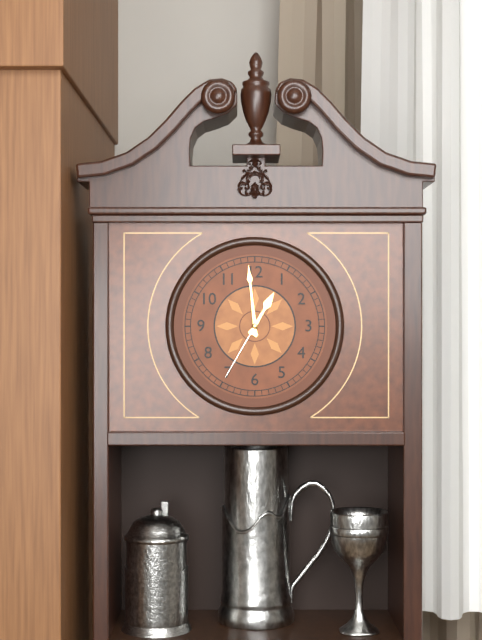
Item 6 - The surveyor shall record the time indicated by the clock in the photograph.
12:59:35
